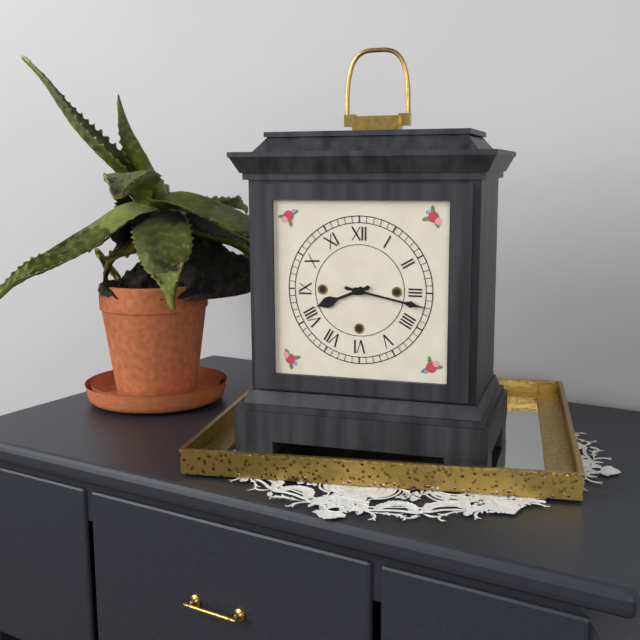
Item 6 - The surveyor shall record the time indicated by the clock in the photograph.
8:17
